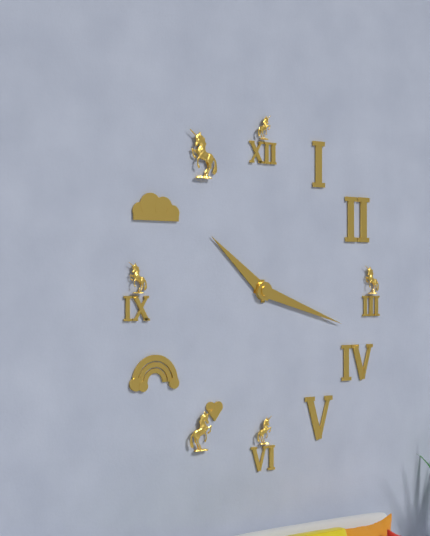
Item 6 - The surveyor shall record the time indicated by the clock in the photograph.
10:18
